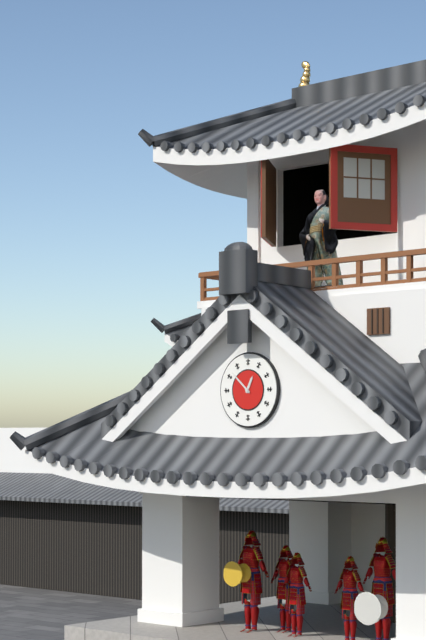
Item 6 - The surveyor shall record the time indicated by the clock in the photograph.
12:52
